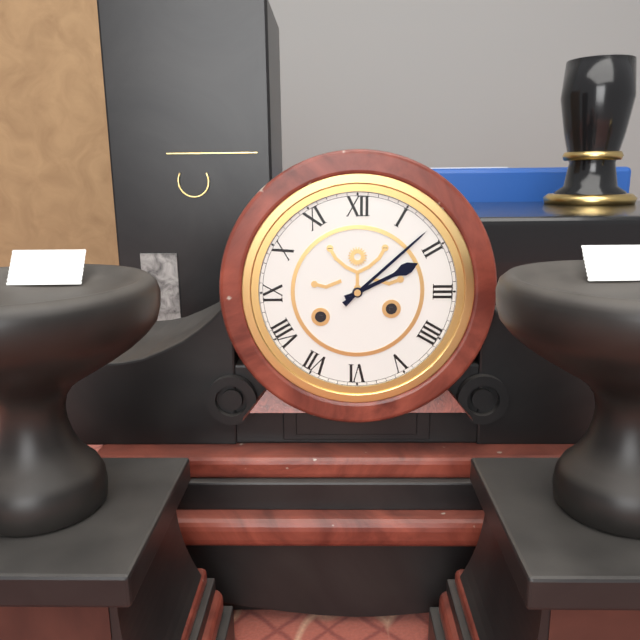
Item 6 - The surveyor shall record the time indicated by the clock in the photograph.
2:08
